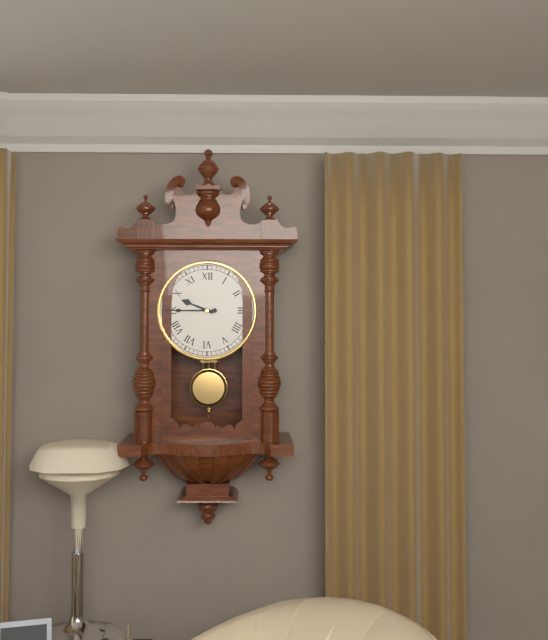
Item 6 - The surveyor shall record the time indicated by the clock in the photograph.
9:45
